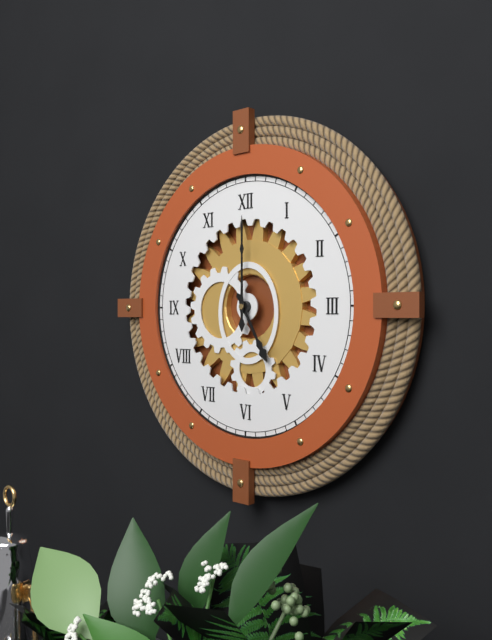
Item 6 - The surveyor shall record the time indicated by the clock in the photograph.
5:00
